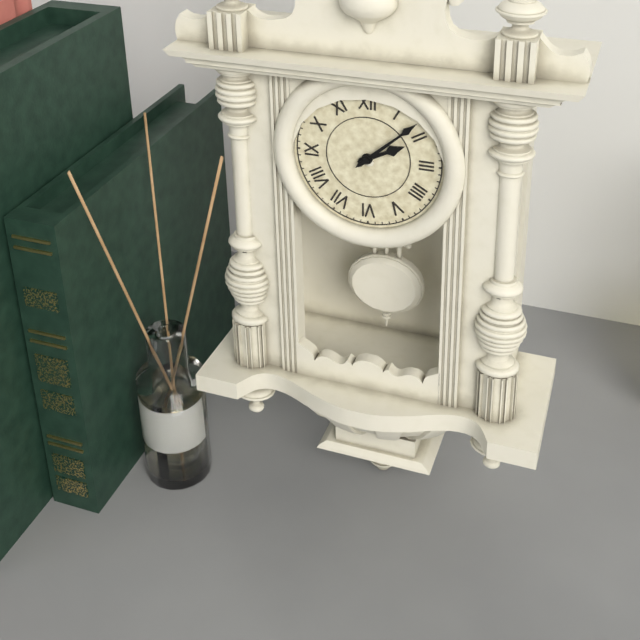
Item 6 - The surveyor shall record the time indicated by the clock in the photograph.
2:08
